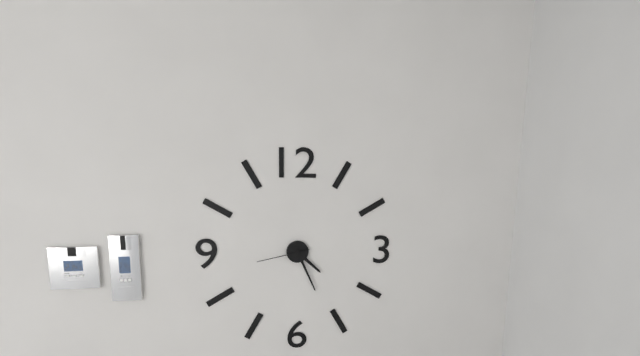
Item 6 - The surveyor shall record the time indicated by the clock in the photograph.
4:26:43
